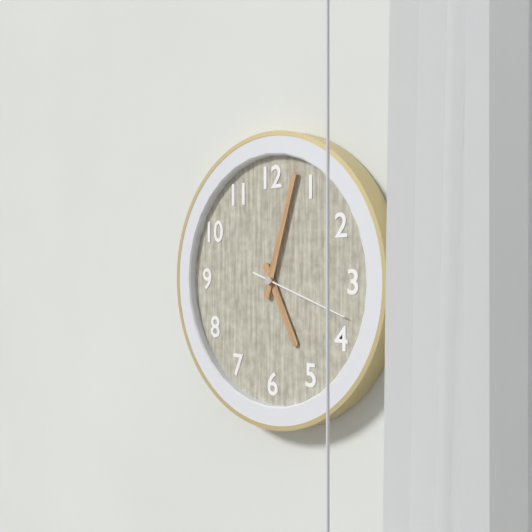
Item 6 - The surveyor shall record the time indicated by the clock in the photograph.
5:03:18
